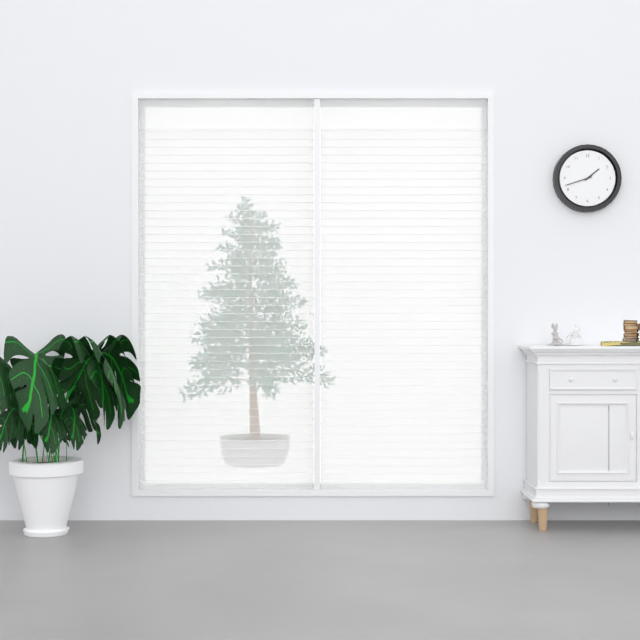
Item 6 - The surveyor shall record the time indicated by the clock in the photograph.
1:42
